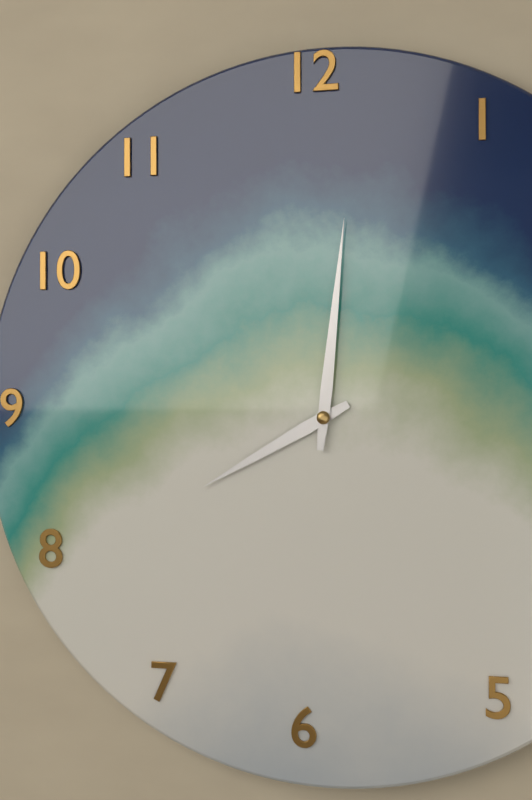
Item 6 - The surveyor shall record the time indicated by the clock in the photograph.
8:01
